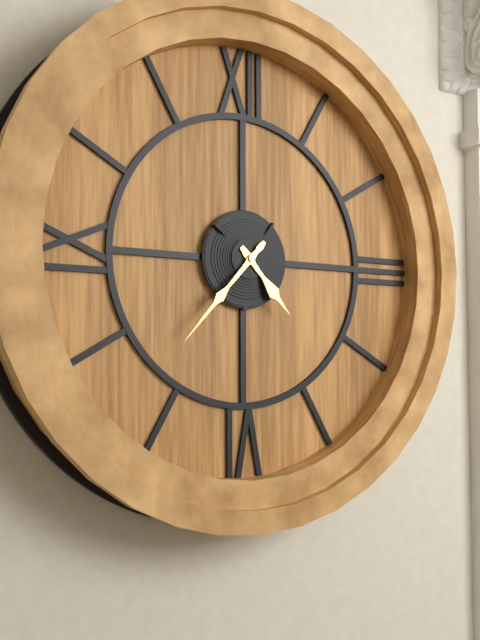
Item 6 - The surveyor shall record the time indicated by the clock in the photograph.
4:37
